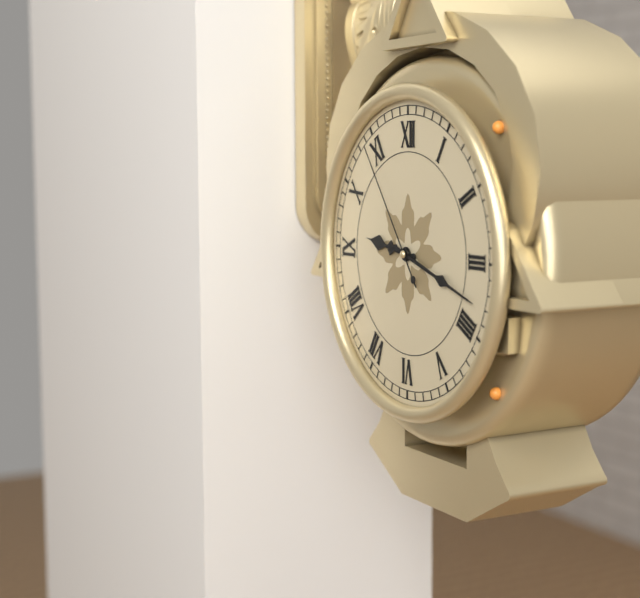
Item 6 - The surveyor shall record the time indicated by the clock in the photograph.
9:18:54
